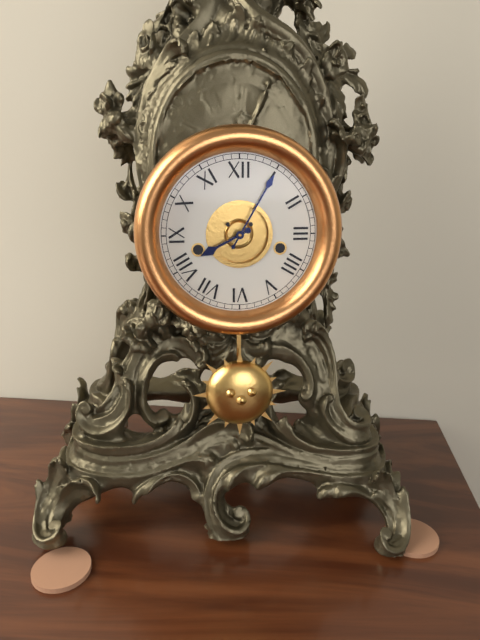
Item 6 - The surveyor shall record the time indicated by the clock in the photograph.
8:05
